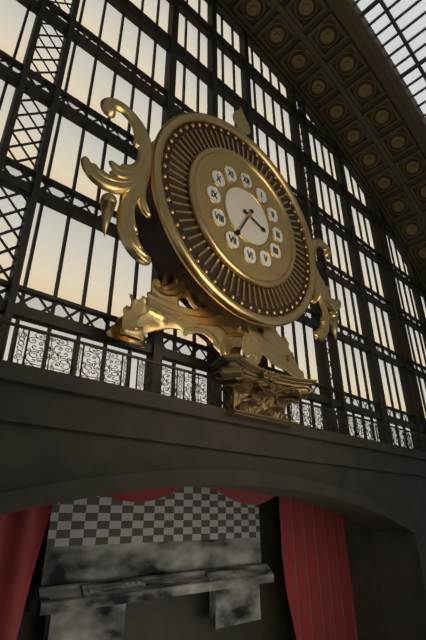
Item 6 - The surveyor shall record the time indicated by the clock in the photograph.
3:35
